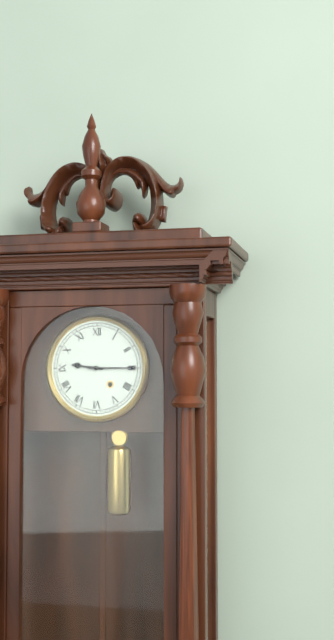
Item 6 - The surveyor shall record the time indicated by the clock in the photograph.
9:15
